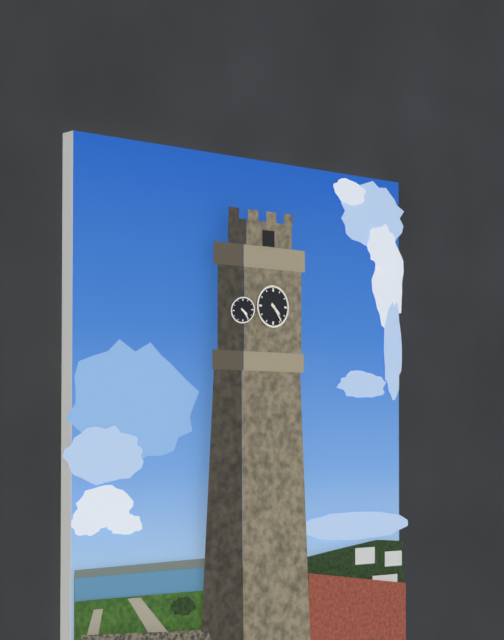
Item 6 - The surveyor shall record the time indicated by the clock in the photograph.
4:24
